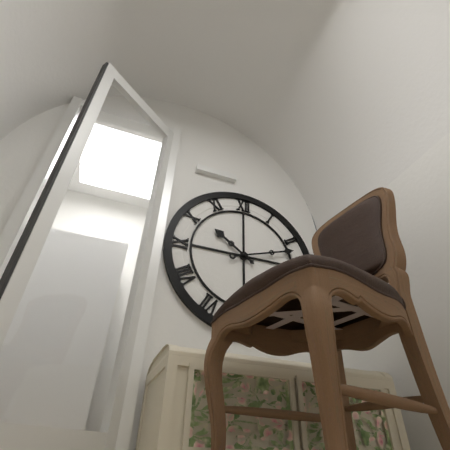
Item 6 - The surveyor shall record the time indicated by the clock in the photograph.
10:12
